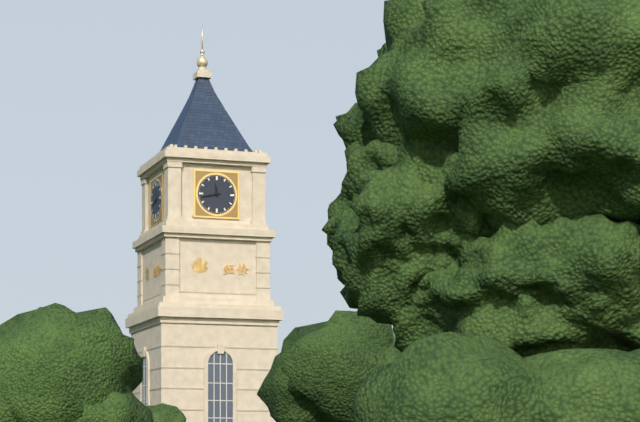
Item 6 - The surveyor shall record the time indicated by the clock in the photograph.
11:43
